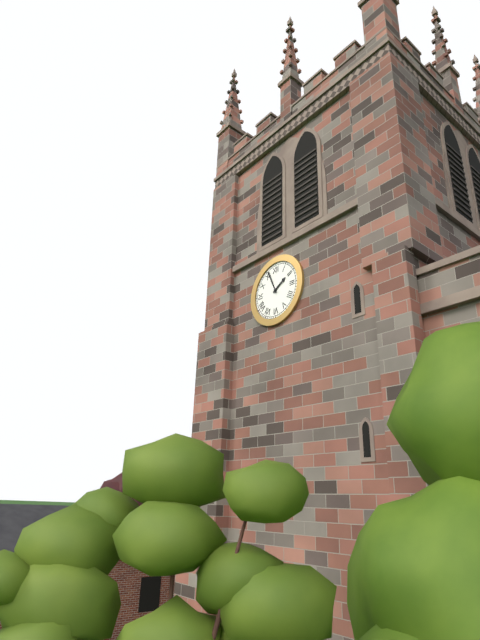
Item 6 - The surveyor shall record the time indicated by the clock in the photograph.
1:56
